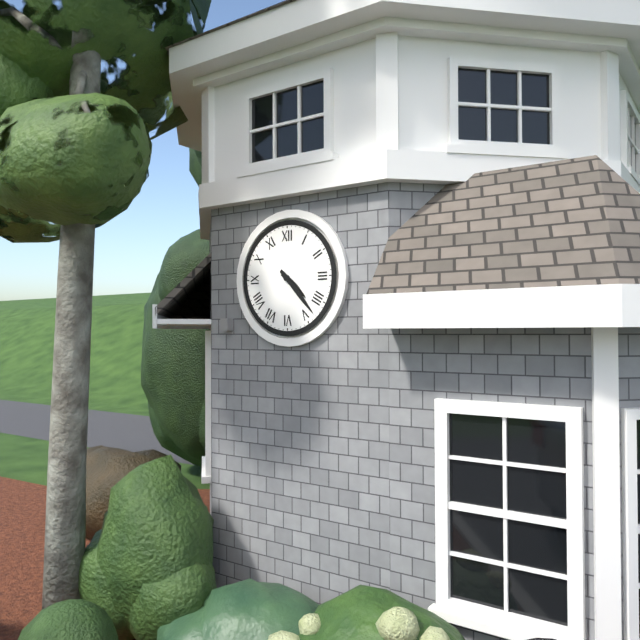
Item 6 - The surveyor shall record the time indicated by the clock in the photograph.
4:23
